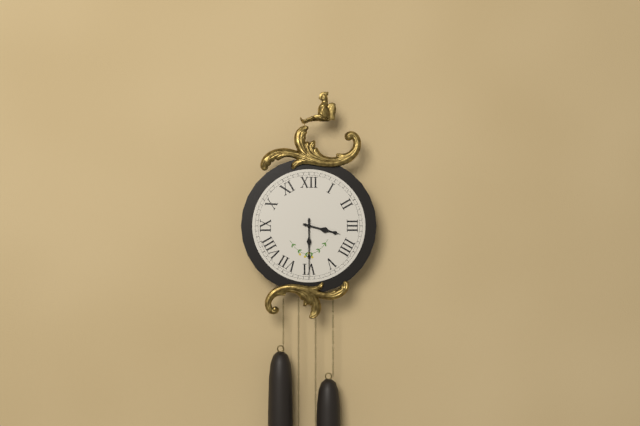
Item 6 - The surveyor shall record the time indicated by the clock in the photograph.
3:30
